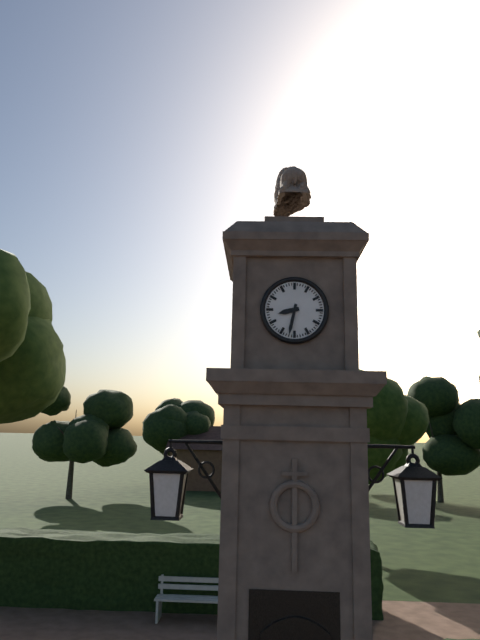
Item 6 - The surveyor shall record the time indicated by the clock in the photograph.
8:32
